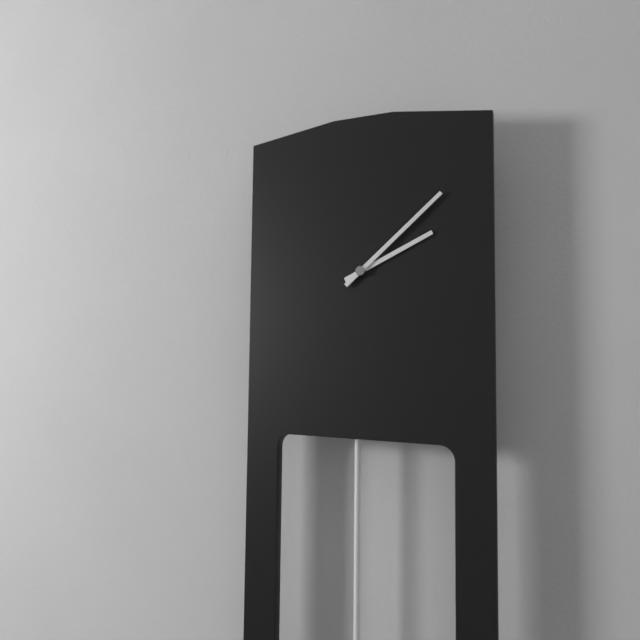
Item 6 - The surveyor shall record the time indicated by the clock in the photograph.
2:08
